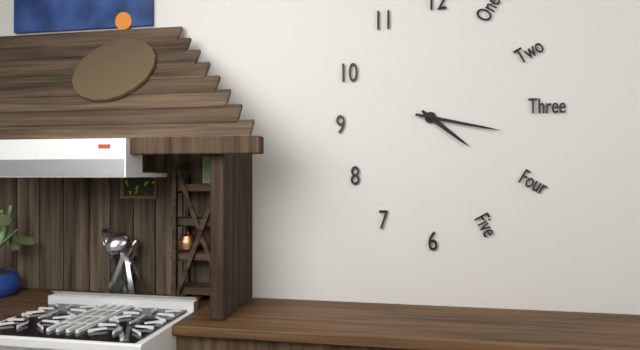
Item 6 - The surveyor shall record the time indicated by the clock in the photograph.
4:17
